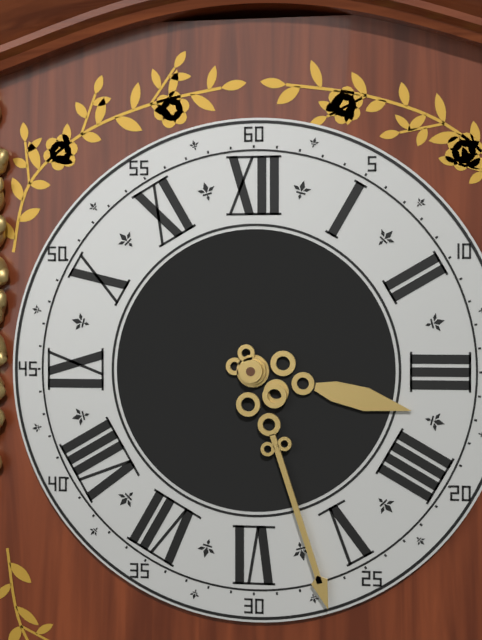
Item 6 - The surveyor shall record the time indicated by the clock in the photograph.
3:27
